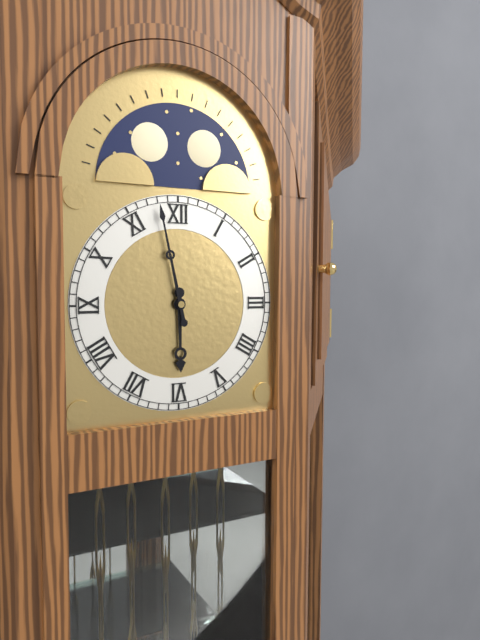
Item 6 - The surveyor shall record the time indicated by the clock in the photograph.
5:58
